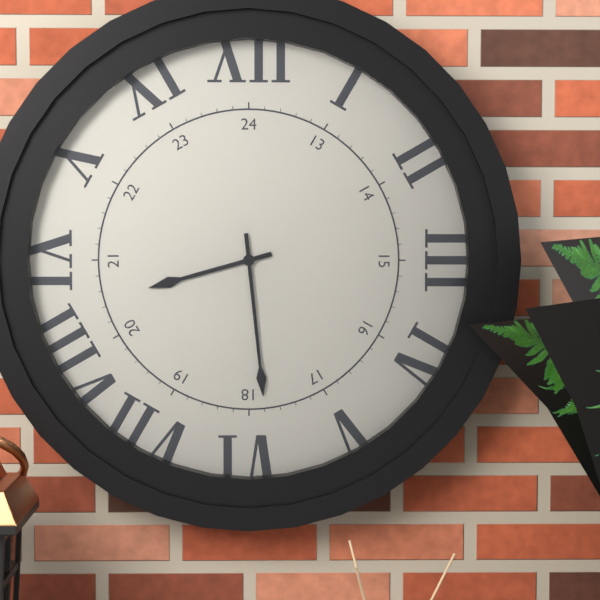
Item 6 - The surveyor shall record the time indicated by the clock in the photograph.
8:29
